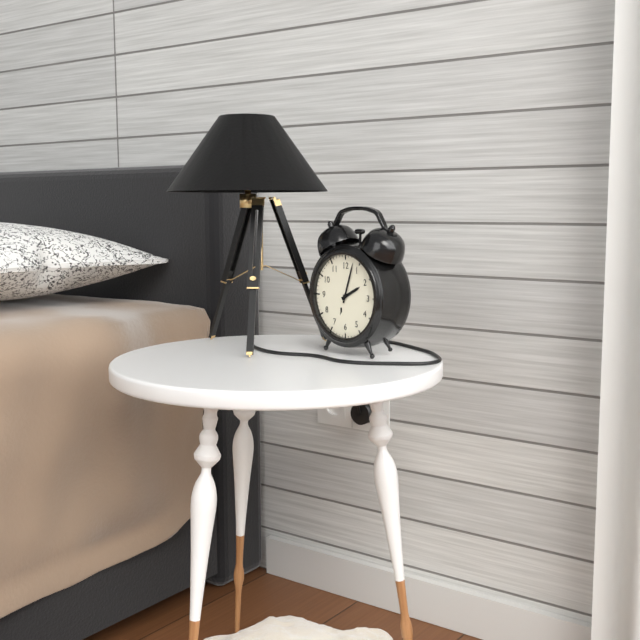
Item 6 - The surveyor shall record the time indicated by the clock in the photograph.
2:03
